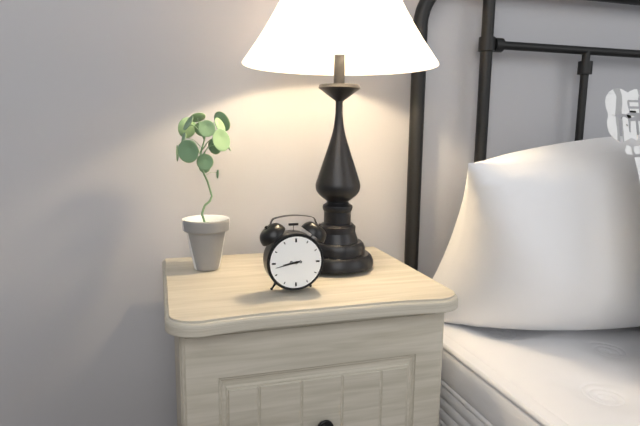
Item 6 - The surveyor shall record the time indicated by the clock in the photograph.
8:43
